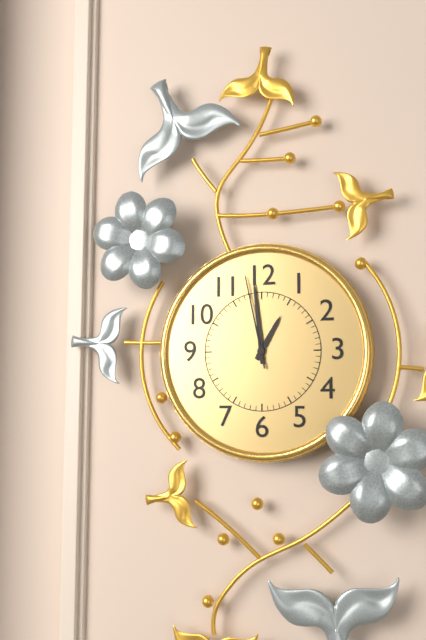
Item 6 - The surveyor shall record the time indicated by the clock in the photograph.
12:59:58
